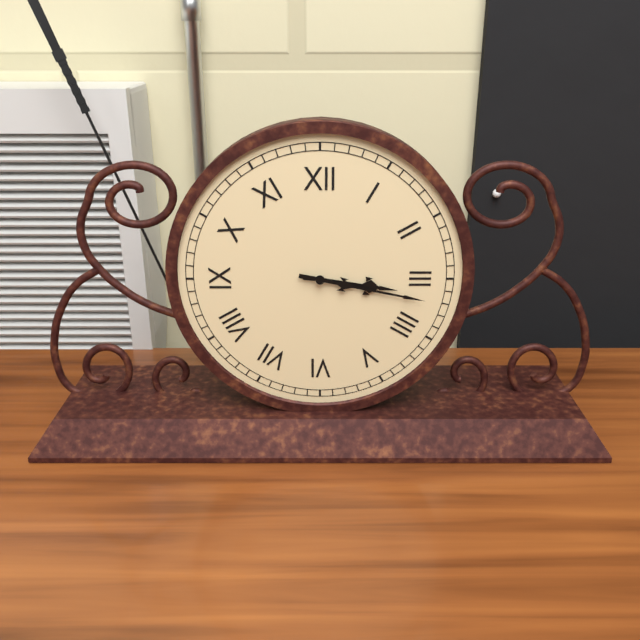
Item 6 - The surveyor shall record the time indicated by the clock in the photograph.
3:17
